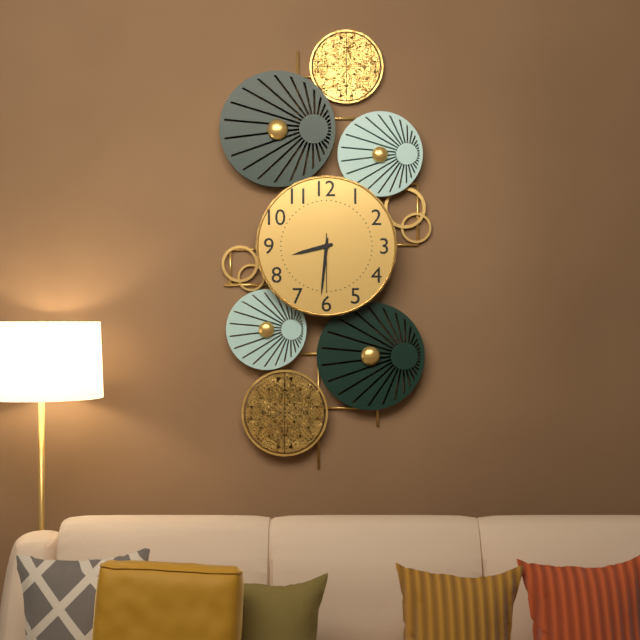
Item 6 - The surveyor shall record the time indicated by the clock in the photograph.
8:31:30
